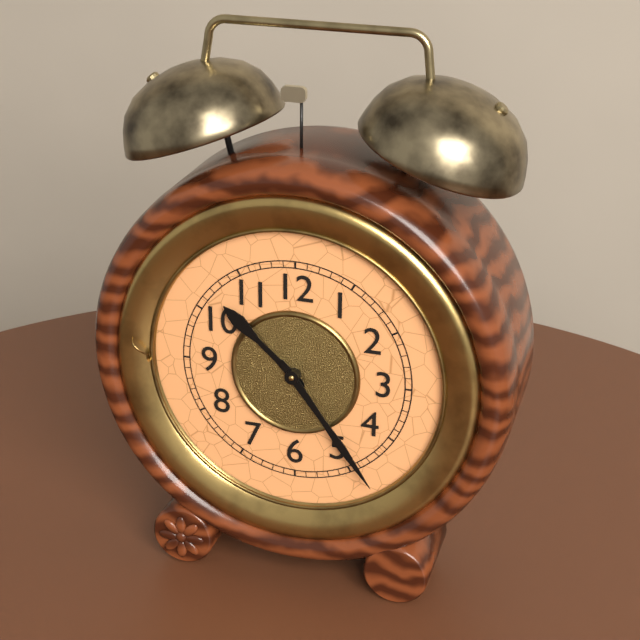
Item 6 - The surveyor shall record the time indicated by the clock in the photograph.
10:24
